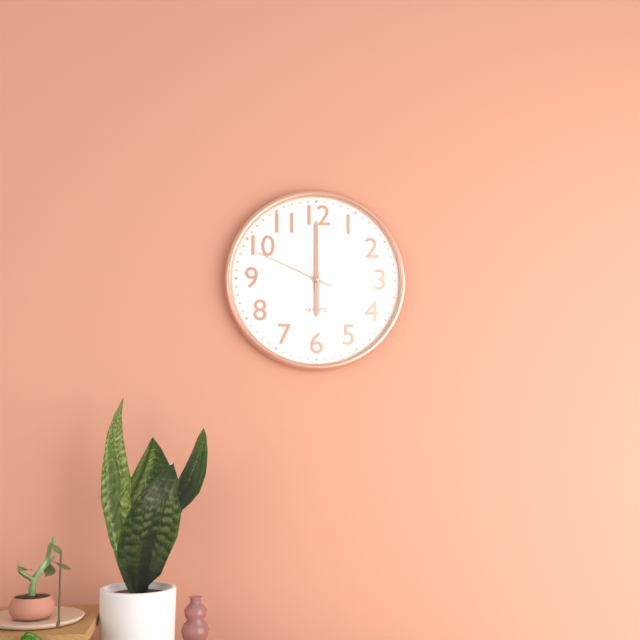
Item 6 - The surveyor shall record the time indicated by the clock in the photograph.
6:00:49
